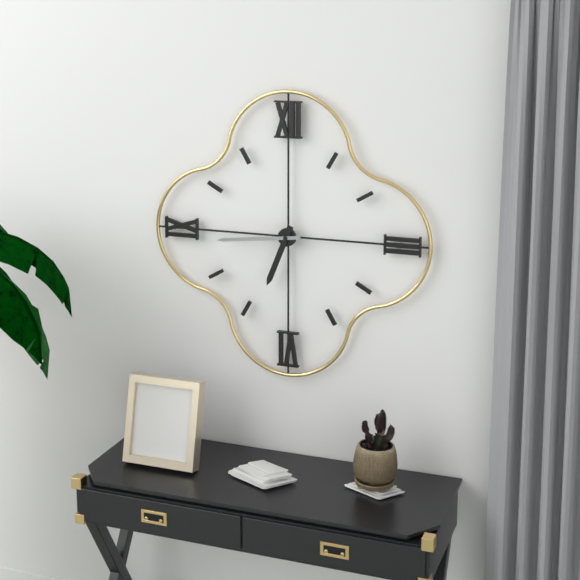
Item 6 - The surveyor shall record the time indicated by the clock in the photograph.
6:44
